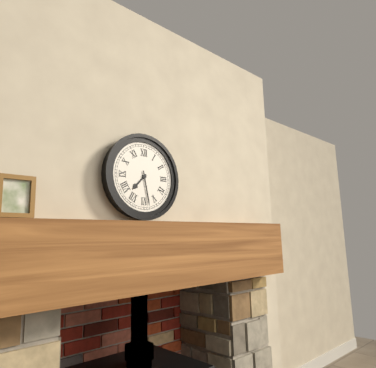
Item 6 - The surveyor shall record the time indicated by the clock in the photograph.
7:28
